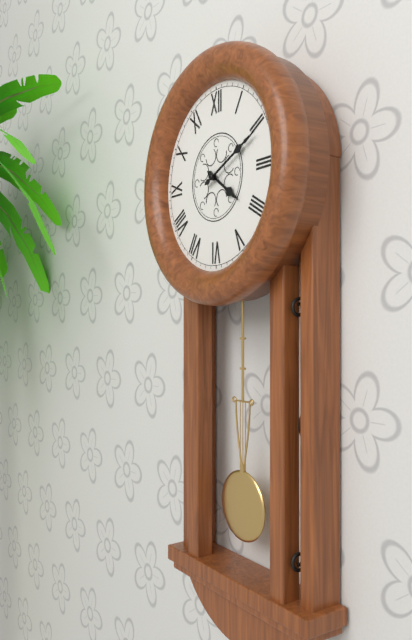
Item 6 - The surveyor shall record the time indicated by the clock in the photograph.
4:11
